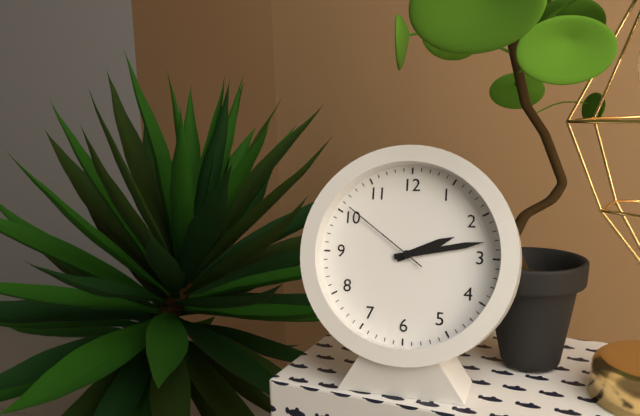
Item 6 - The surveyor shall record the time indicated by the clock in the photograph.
2:13:51
